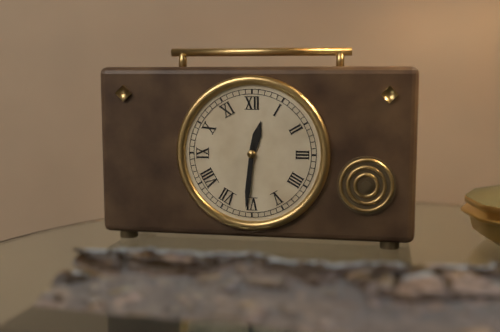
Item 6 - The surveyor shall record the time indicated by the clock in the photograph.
12:31
